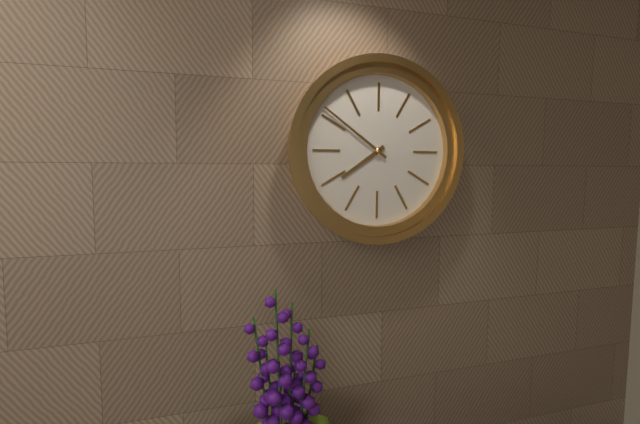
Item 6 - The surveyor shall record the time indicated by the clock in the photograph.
7:51
